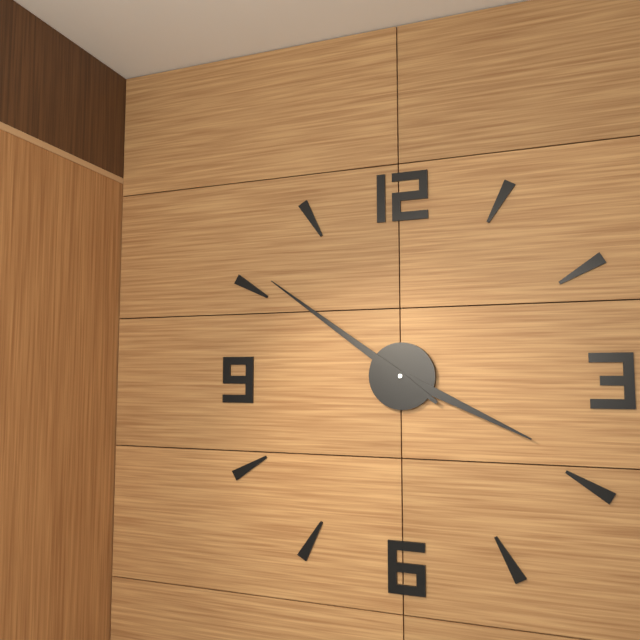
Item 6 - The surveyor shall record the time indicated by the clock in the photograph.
3:51
